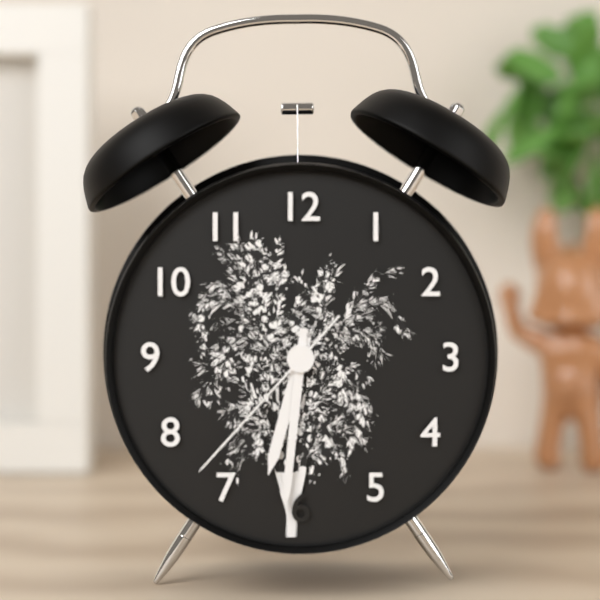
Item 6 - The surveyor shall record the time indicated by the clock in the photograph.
6:31:37
